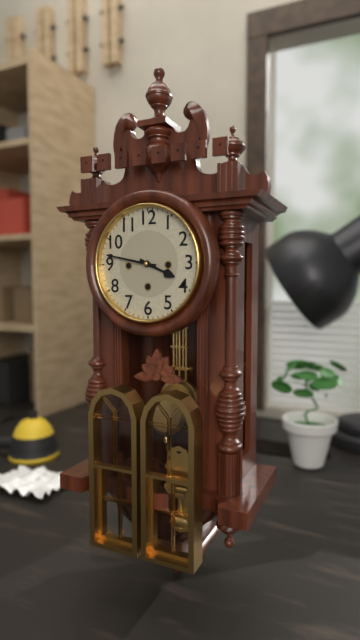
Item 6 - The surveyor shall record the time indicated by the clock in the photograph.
3:47
